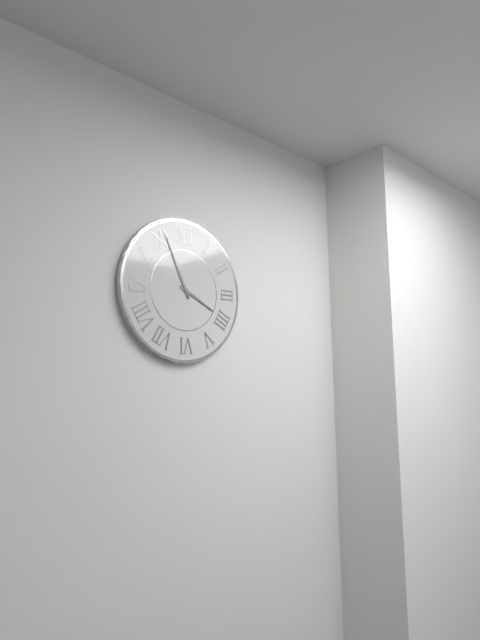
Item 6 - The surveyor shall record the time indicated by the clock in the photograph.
3:56
